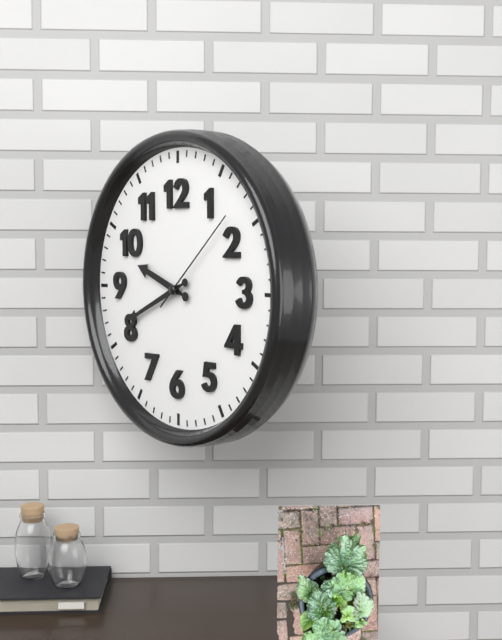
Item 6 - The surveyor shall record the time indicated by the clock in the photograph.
9:41:08
